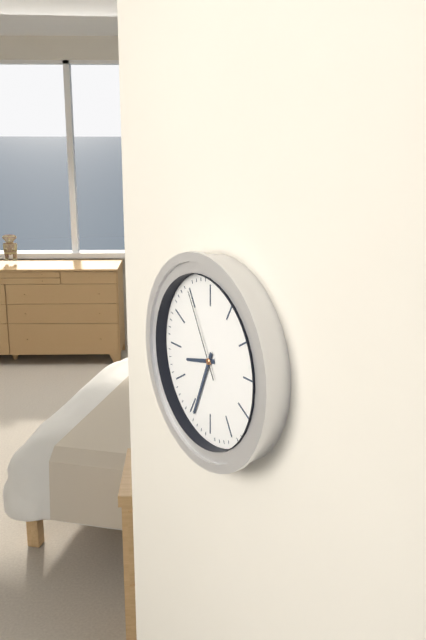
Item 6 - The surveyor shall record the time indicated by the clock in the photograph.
8:34:55
